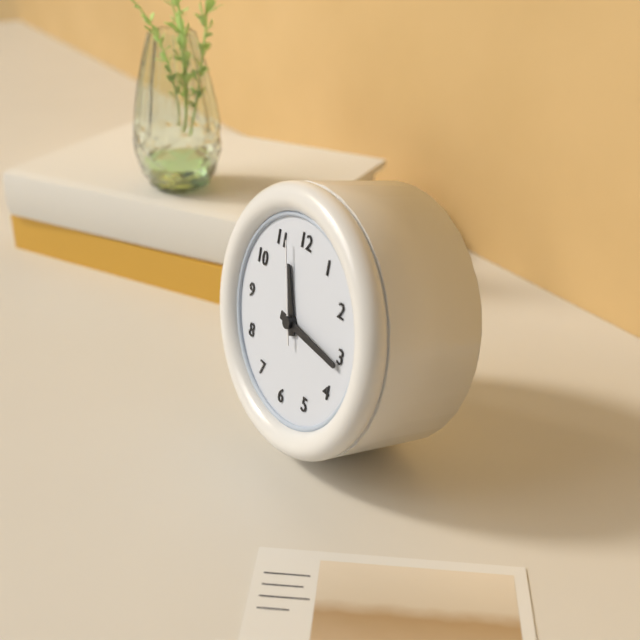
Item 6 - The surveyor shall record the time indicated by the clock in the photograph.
11:16:57
